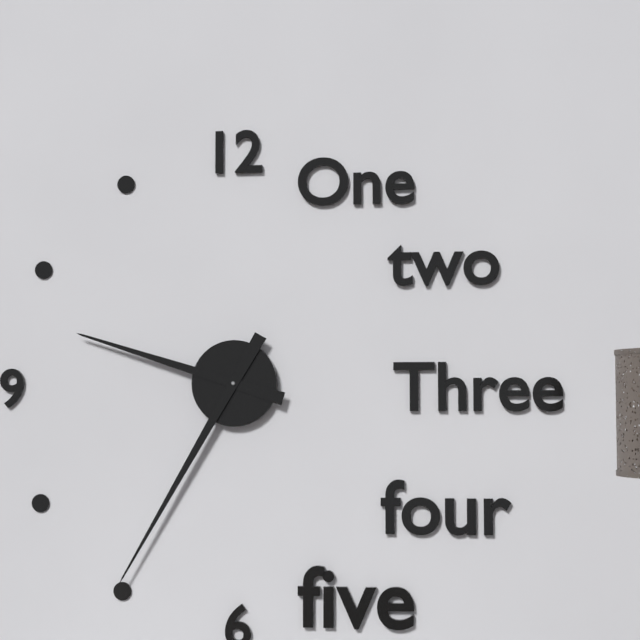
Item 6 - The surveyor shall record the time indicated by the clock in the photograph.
9:35
